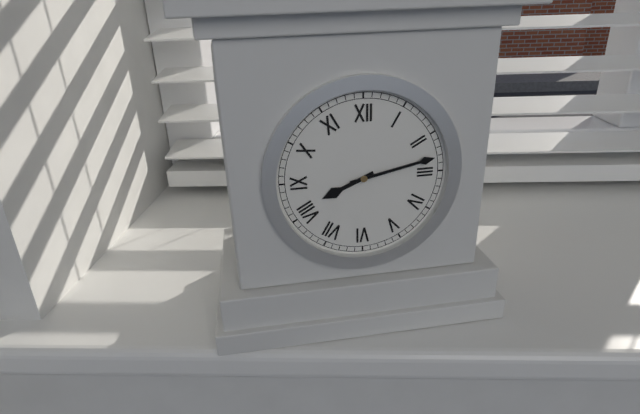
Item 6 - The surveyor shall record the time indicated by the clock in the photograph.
8:13
